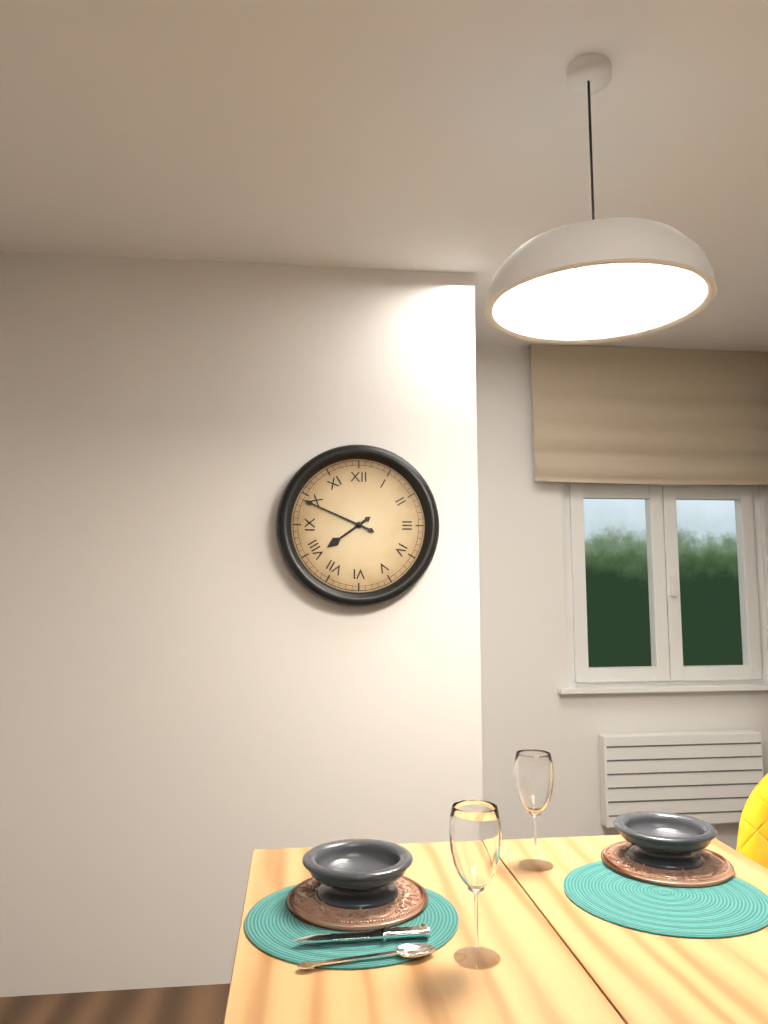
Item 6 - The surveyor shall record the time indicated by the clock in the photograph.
7:49
